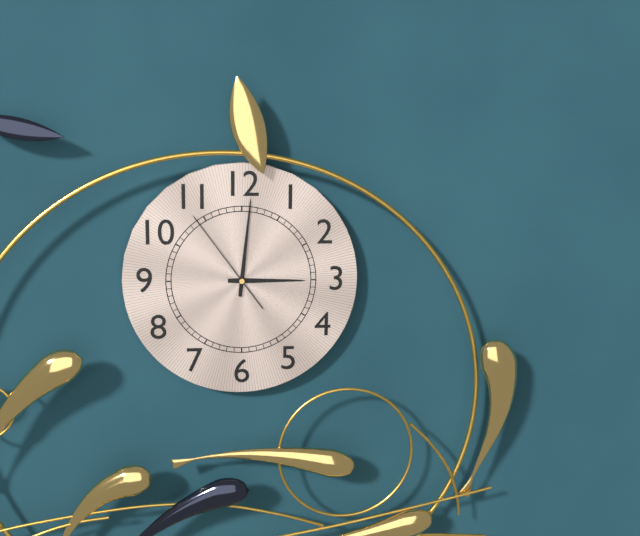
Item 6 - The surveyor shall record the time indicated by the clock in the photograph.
3:01:54
